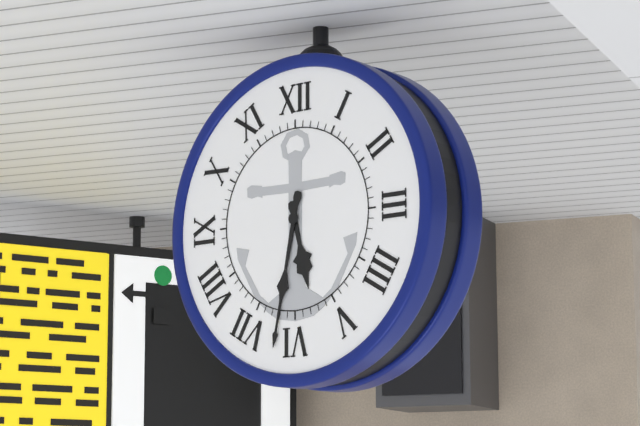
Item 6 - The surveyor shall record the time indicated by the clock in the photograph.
5:32
